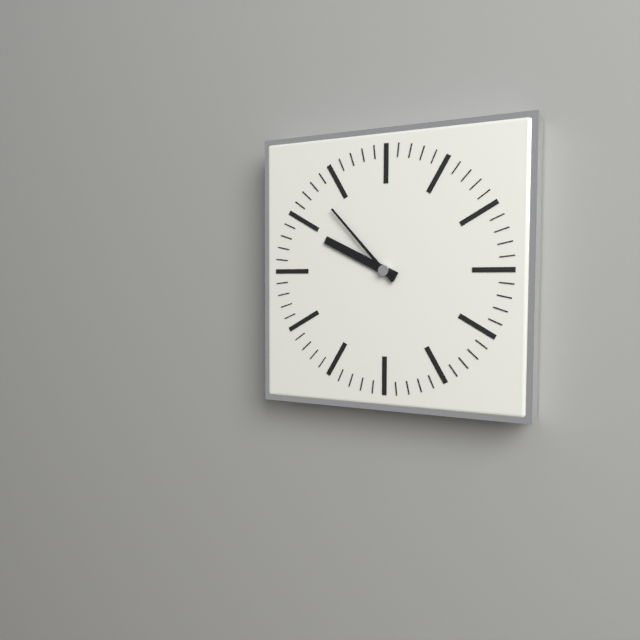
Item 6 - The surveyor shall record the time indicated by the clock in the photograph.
9:53
